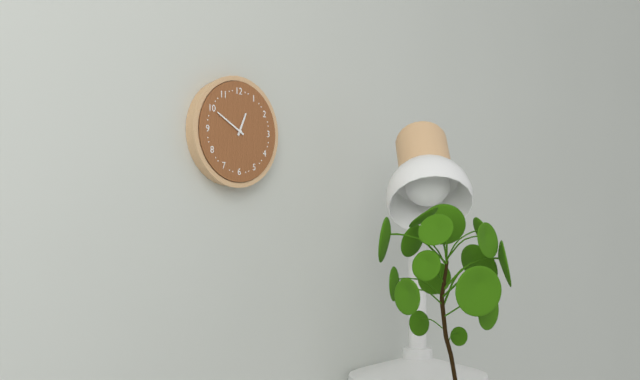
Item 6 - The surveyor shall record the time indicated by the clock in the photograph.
12:50
